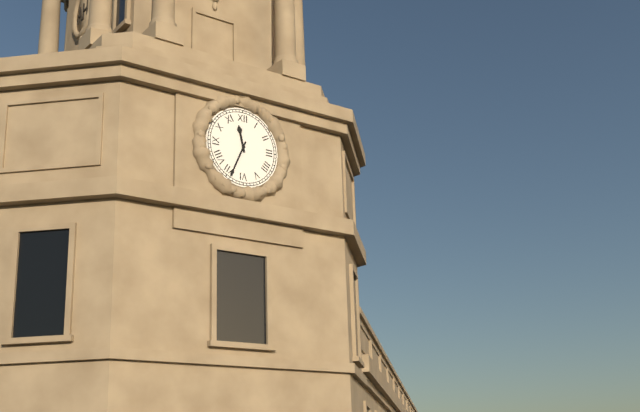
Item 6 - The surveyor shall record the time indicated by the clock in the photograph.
11:34
